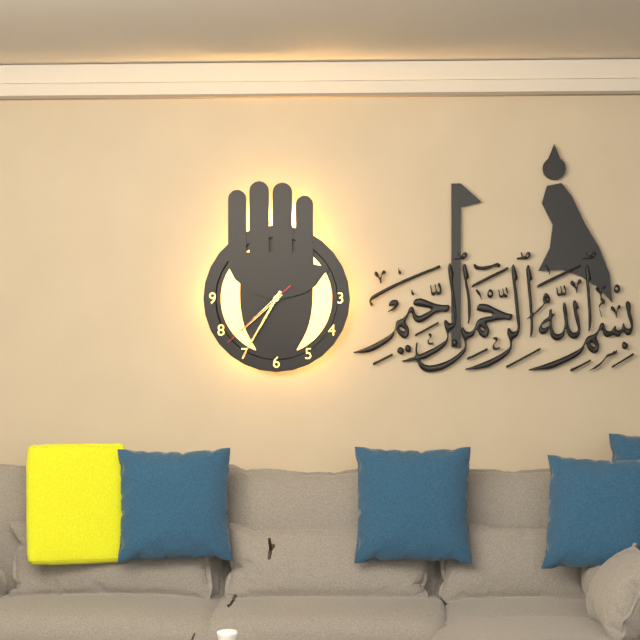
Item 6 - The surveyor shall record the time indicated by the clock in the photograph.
7:35:38
